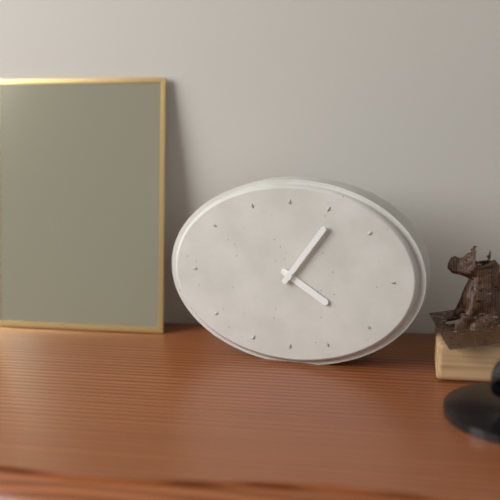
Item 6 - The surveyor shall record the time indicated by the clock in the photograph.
4:06
